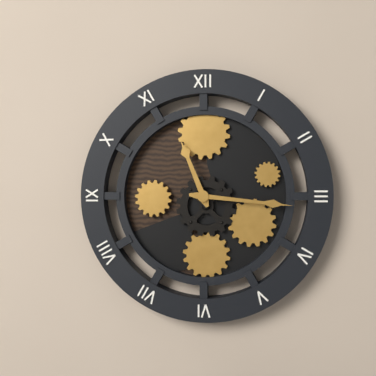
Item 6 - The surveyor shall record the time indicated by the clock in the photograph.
11:16
